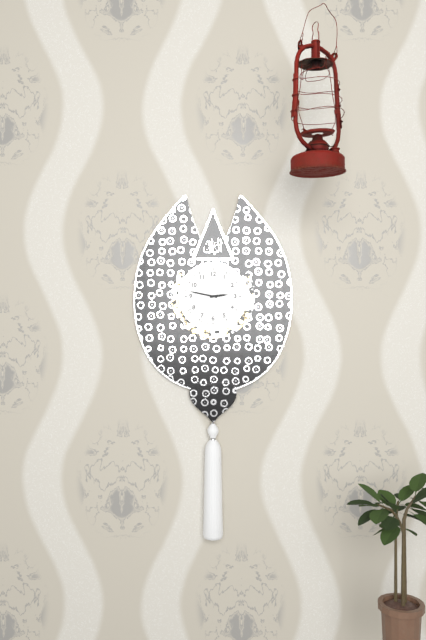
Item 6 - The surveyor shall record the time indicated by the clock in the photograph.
2:47
